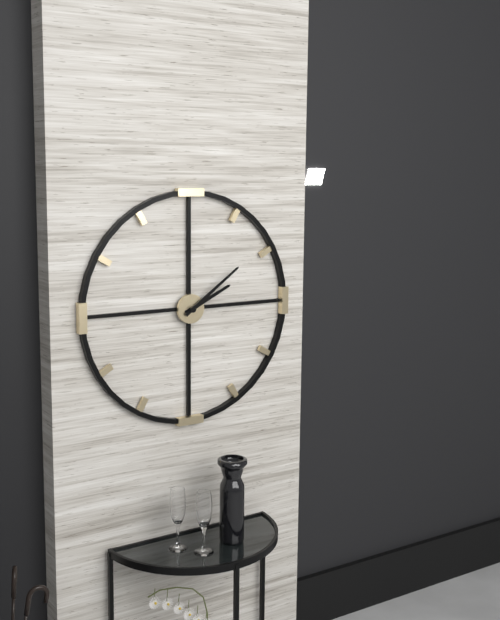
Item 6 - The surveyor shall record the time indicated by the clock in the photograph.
2:09
